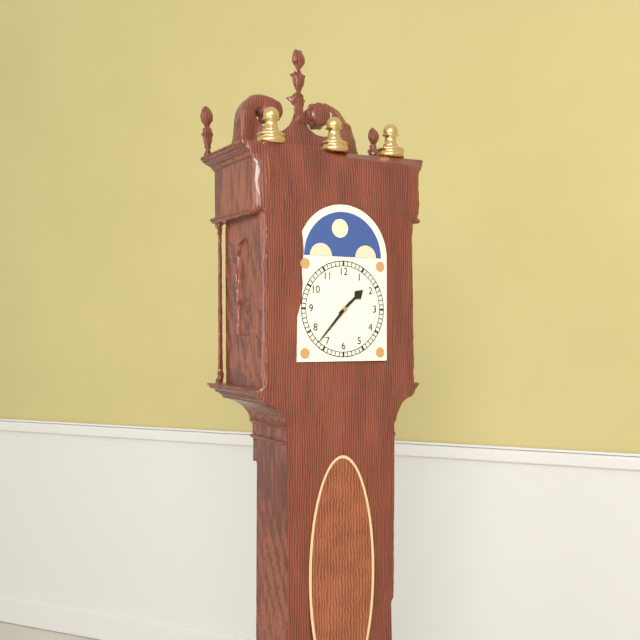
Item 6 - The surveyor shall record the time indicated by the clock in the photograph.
1:37
